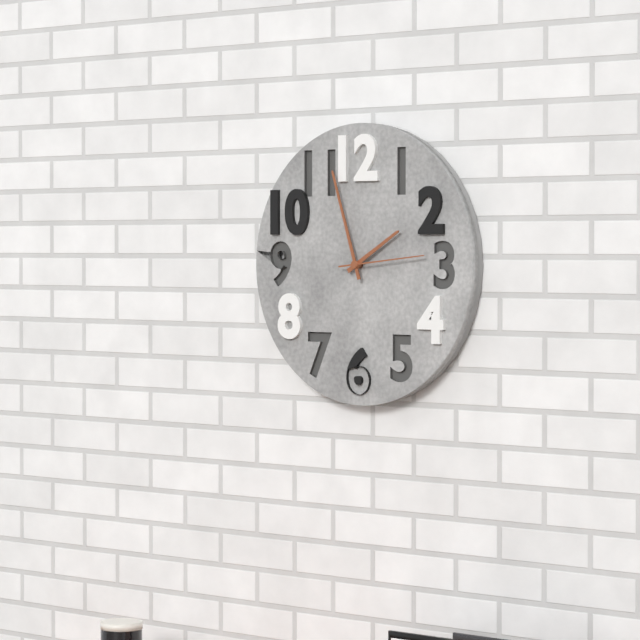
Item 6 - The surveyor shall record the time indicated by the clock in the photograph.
1:57:14
